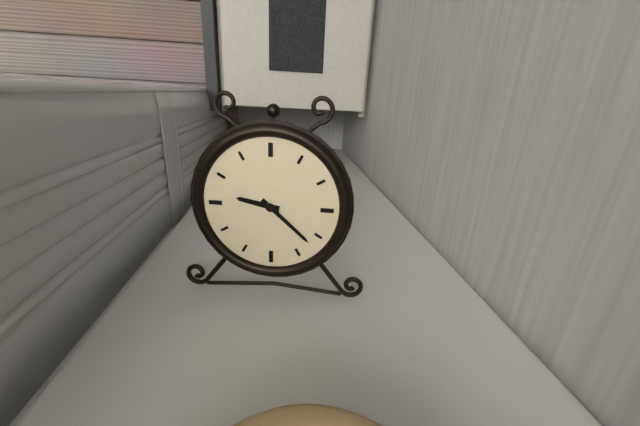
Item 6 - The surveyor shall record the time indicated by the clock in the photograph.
9:22
